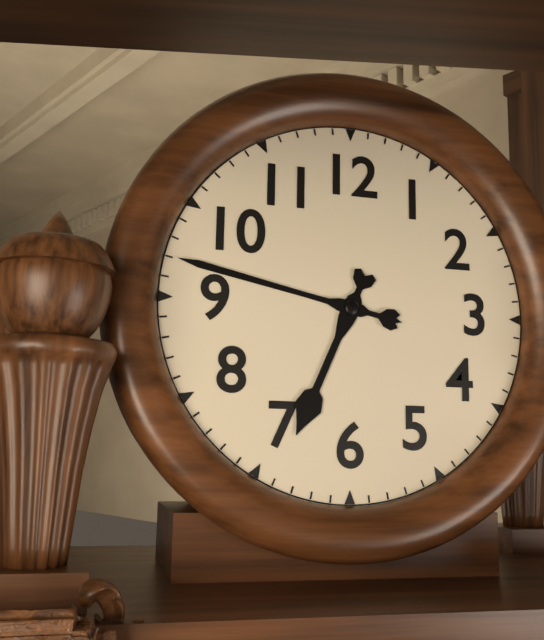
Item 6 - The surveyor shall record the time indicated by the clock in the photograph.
6:47
